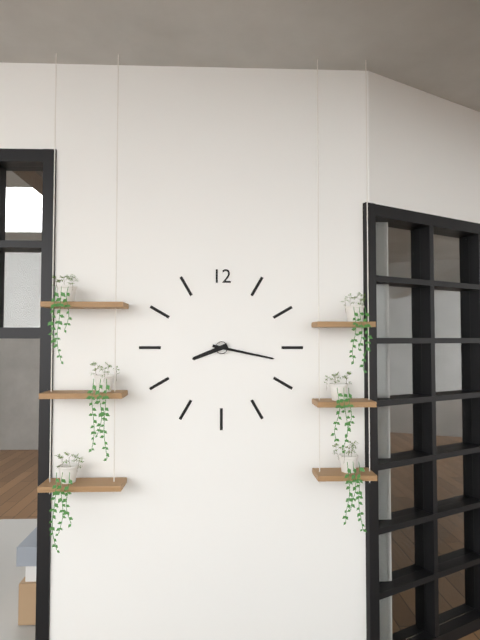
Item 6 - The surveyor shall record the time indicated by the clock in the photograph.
8:17
